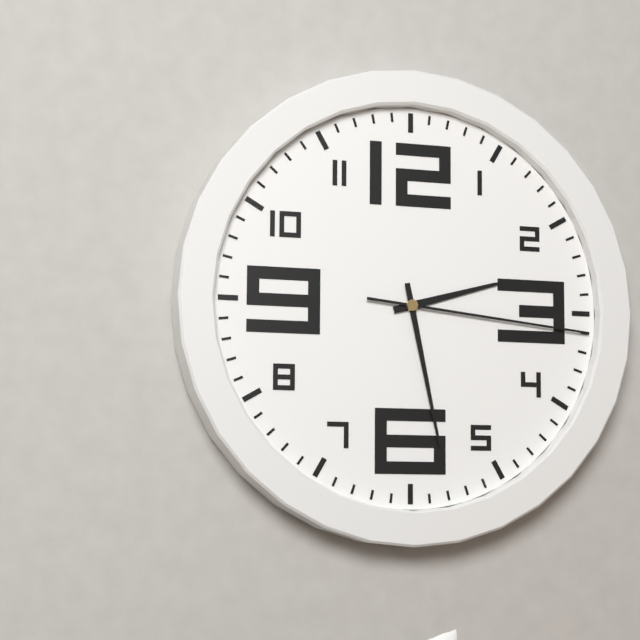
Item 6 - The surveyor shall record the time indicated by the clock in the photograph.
2:28:16
